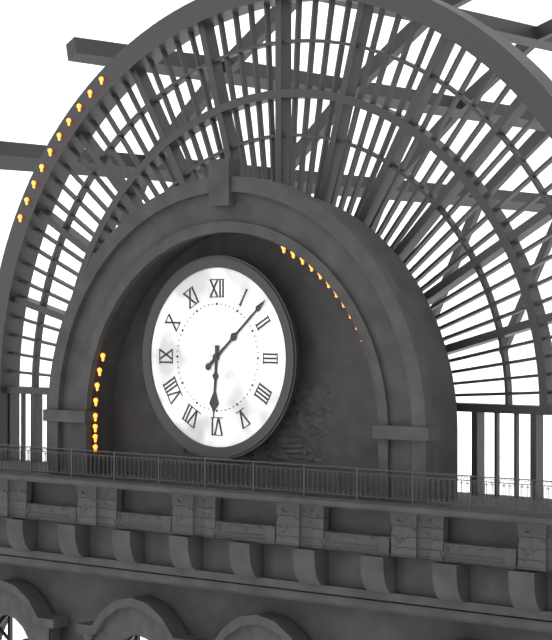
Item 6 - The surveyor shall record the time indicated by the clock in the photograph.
6:08
